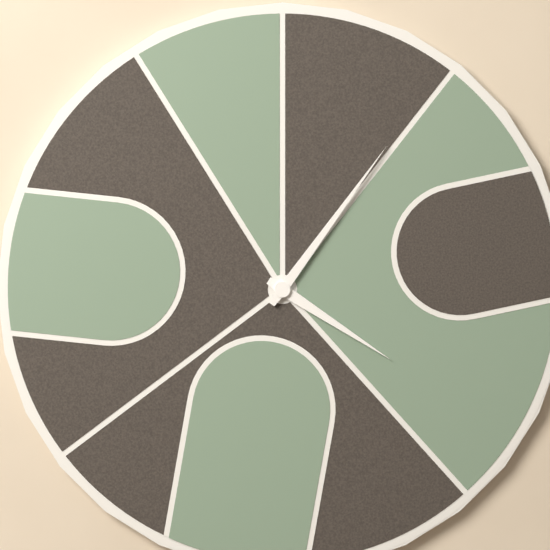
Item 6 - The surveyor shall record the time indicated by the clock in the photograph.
4:06
